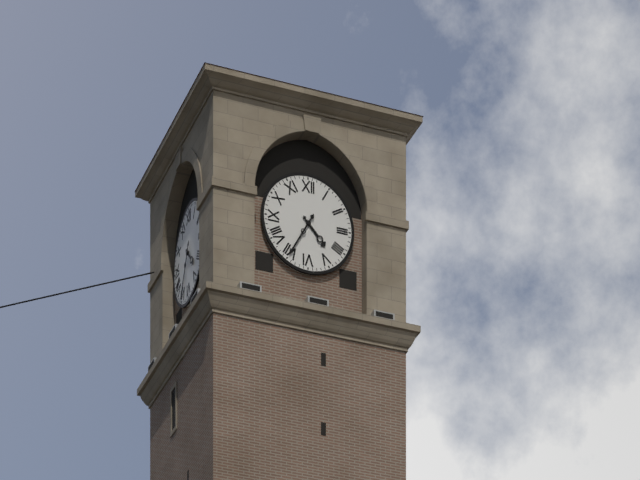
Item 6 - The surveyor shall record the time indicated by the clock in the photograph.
4:35
